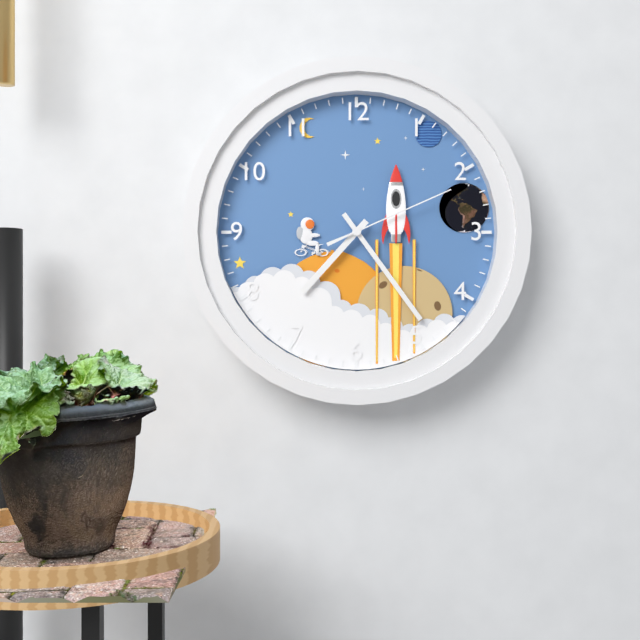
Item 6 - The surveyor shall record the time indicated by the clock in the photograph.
7:24:11
